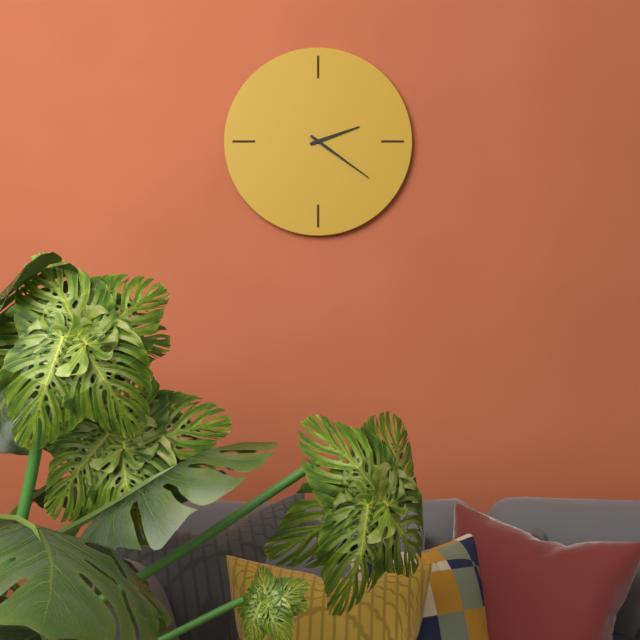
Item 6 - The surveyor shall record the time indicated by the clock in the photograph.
2:21
